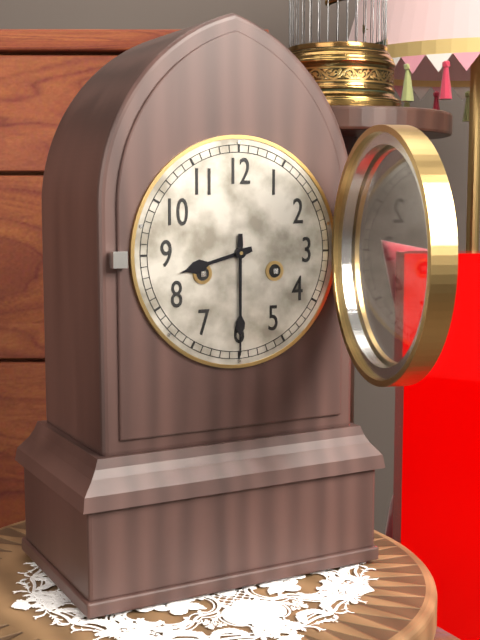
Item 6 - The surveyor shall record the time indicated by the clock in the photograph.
8:30
